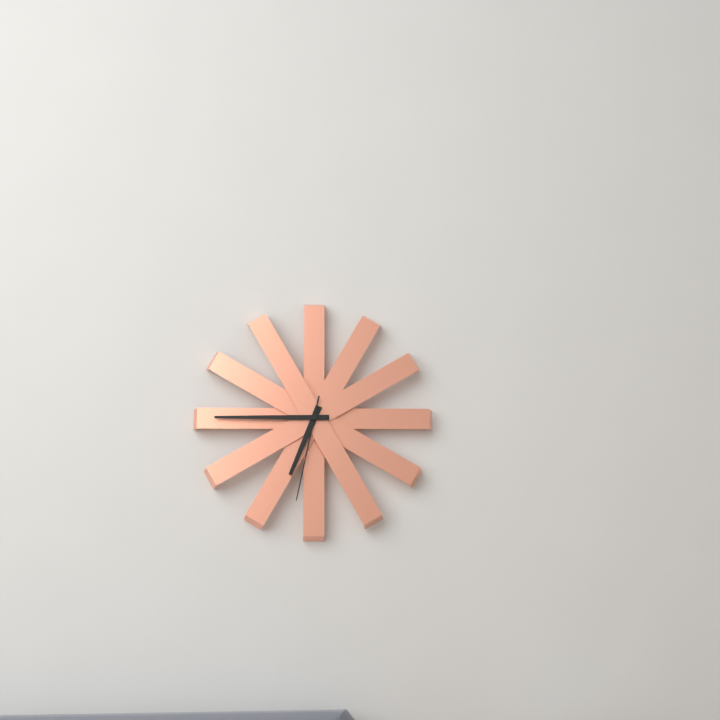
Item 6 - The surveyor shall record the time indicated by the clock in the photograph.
6:45:32
